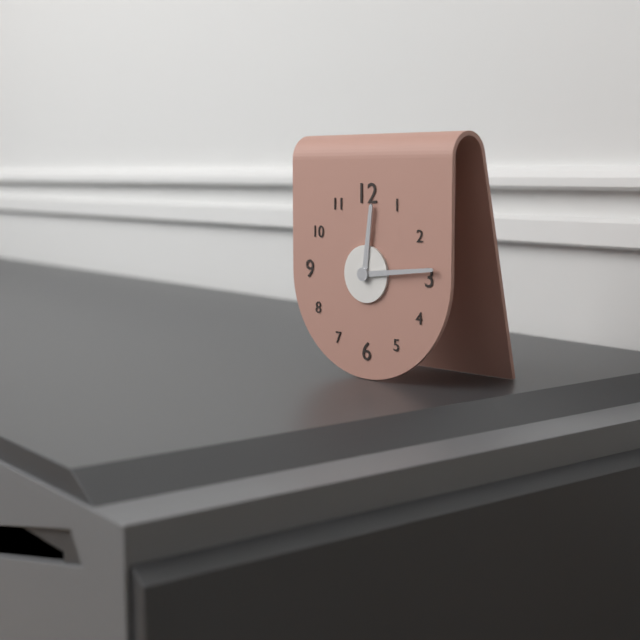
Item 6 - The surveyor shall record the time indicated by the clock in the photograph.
12:14
